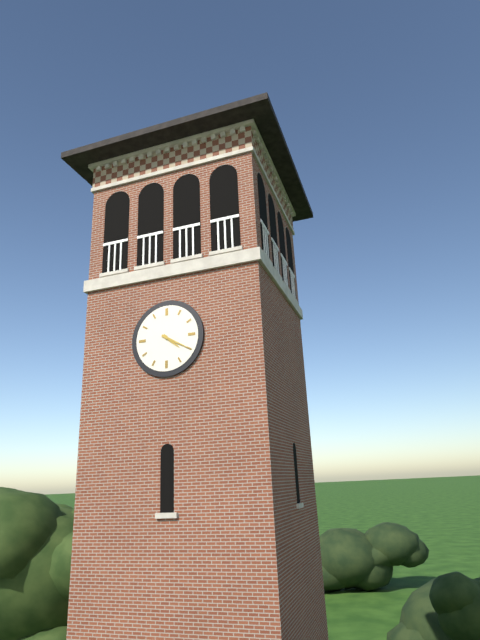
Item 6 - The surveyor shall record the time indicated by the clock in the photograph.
4:20
